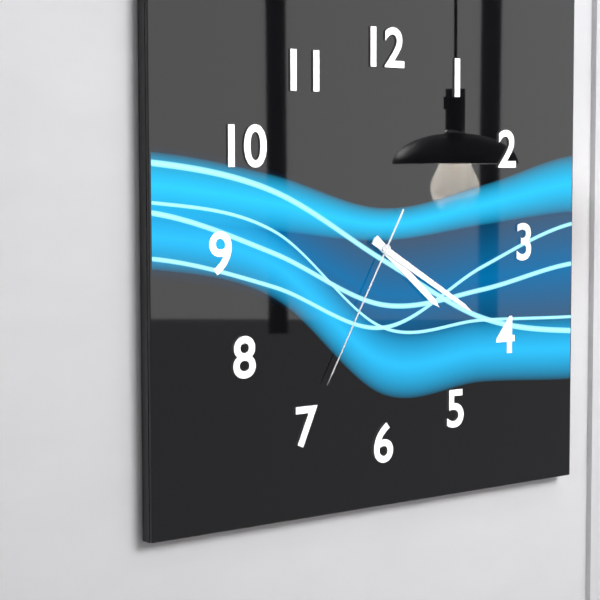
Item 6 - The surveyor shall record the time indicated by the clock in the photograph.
4:20:35
